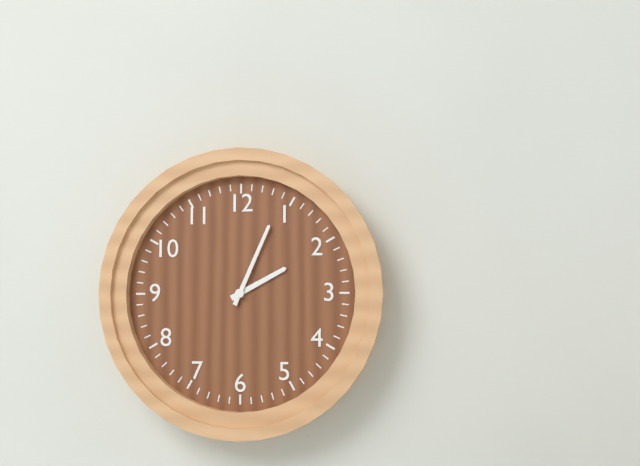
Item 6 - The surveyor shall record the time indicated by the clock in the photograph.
2:04
